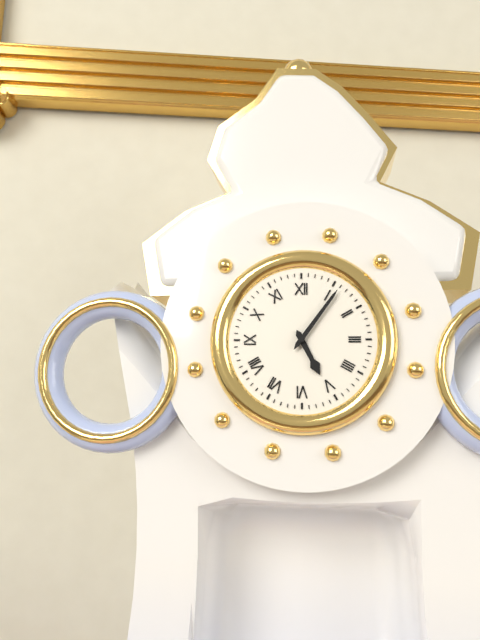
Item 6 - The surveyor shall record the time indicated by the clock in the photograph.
5:06
